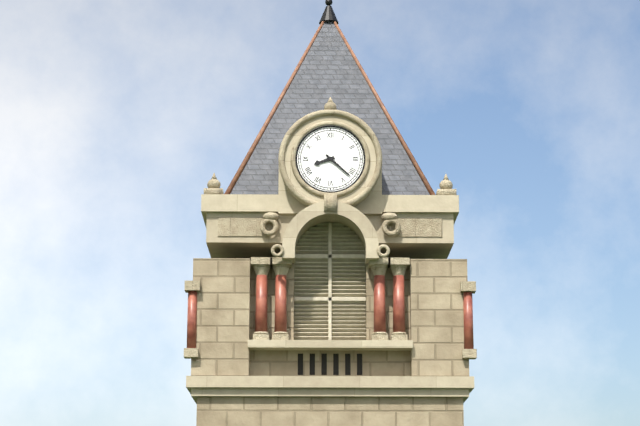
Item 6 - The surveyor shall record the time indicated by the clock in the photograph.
8:22
